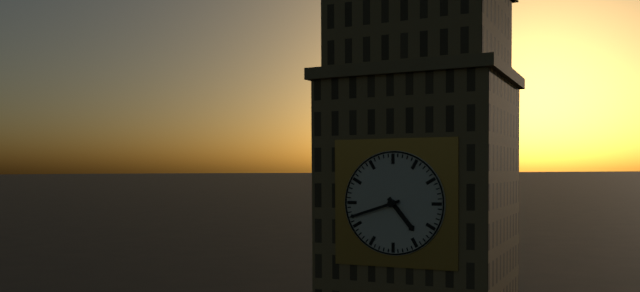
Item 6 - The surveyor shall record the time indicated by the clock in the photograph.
4:42
